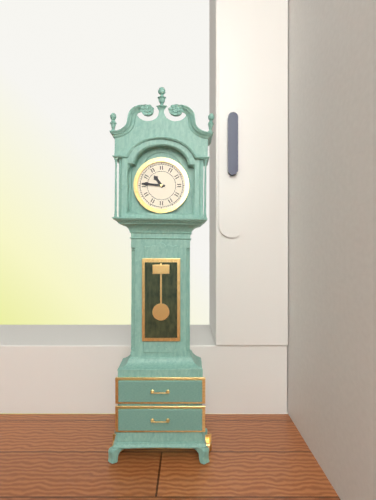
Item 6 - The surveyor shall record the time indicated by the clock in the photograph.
10:46
